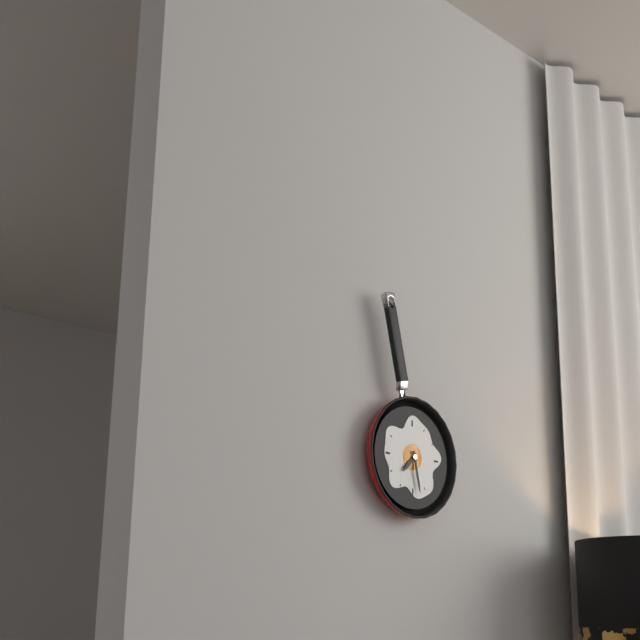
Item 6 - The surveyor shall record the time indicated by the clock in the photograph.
7:28
